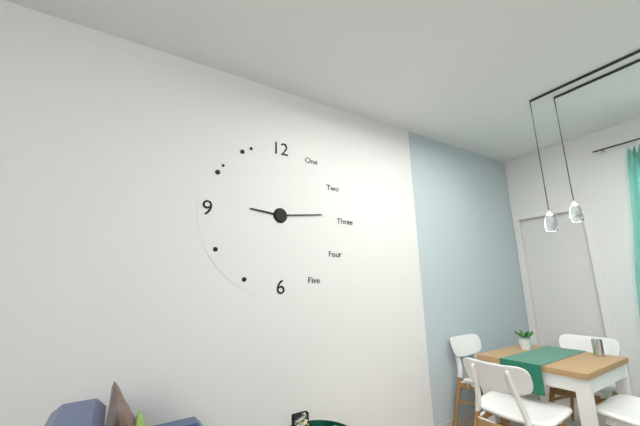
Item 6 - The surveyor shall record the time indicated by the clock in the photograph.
9:14
